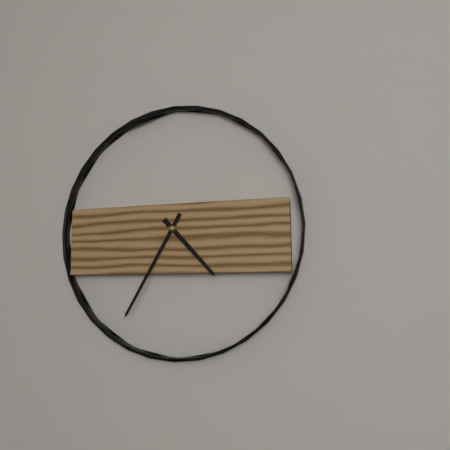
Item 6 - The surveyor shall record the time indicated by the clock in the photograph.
4:35
